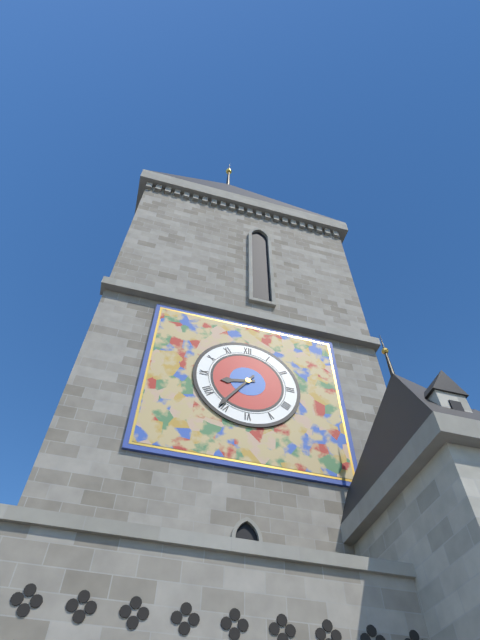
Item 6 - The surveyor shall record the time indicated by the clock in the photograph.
8:36
